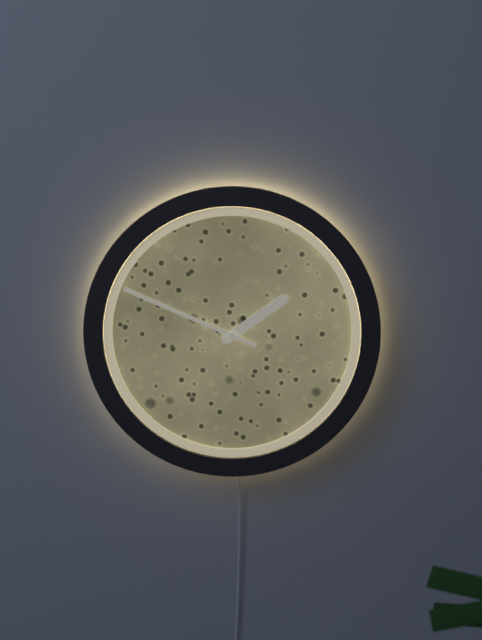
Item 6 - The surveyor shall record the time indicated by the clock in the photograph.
1:49
